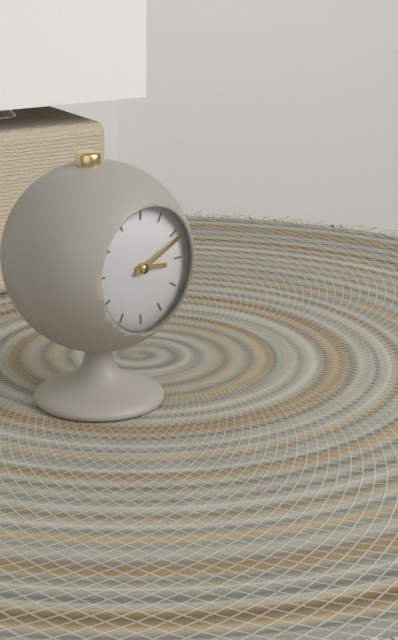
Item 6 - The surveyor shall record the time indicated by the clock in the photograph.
3:11
